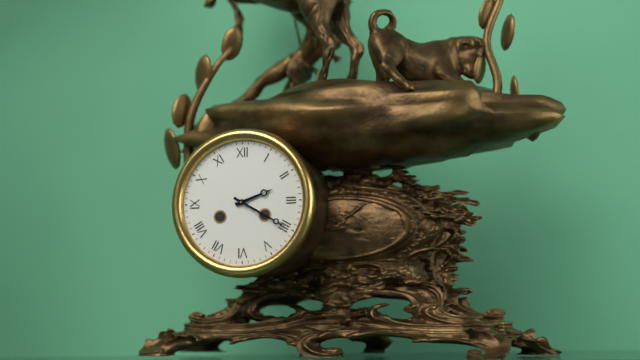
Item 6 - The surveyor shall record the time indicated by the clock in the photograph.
2:20
